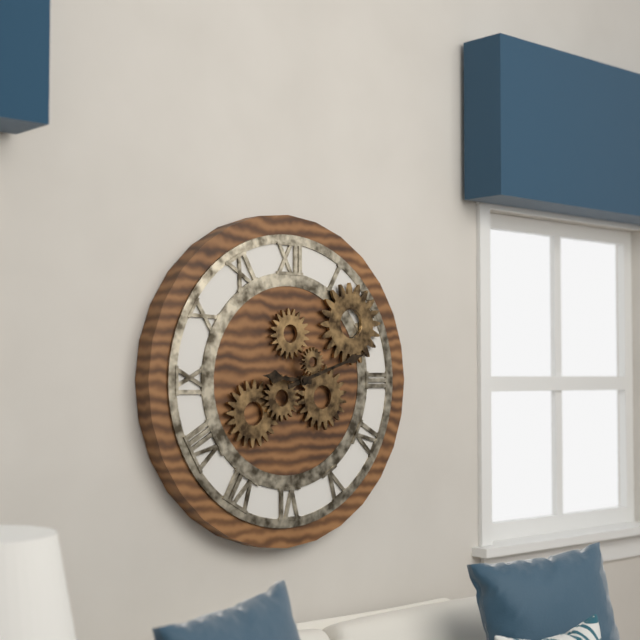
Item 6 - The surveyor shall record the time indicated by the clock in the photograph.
9:12
